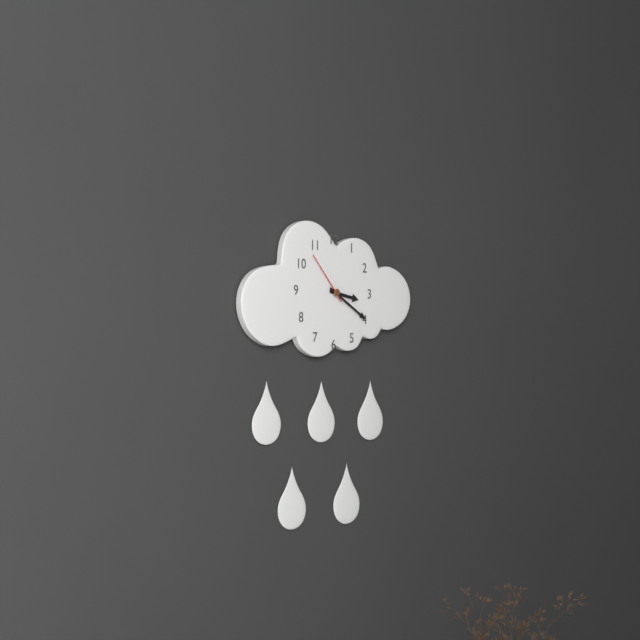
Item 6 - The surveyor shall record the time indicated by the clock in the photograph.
3:20:53
